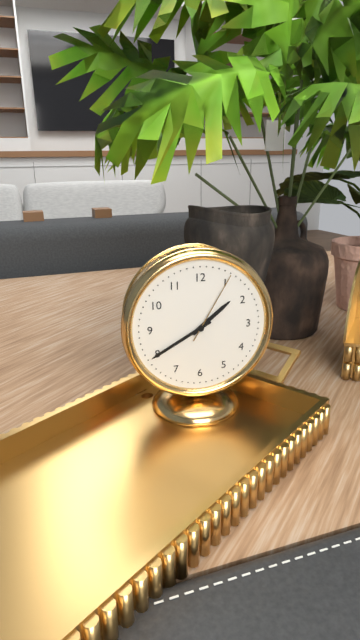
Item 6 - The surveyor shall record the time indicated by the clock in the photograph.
1:40:05
